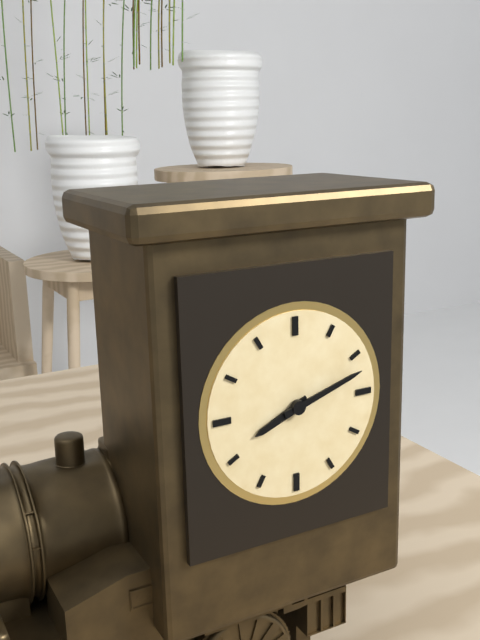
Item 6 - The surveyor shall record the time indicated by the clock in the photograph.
8:12
